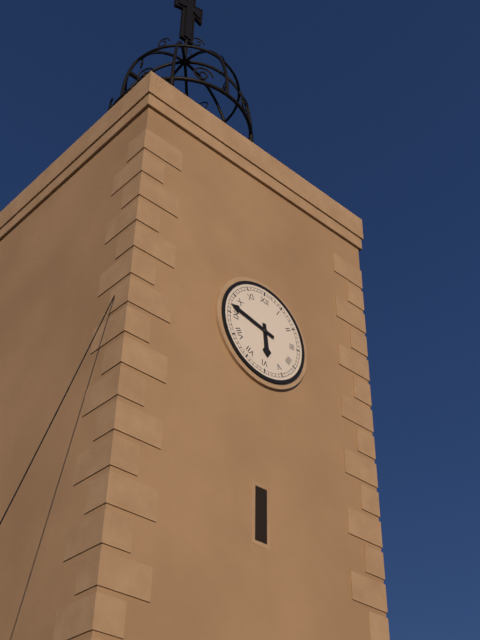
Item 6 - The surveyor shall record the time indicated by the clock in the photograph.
5:47
